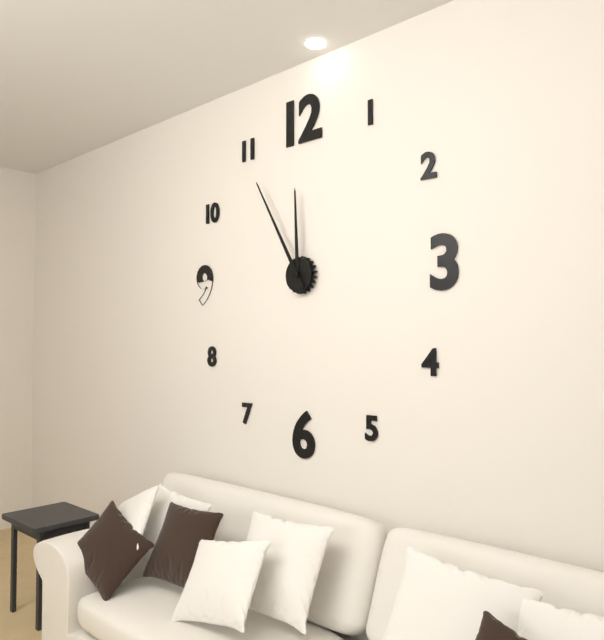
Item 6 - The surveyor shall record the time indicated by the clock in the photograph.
11:55
